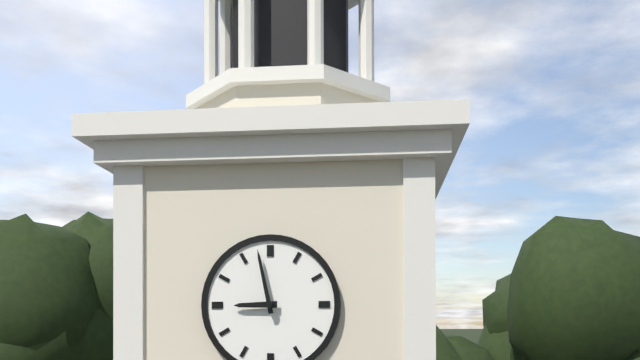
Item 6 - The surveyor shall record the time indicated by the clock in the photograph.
8:58
